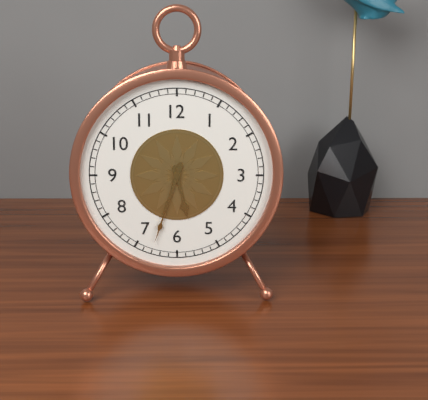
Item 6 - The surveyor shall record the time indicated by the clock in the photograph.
5:33
